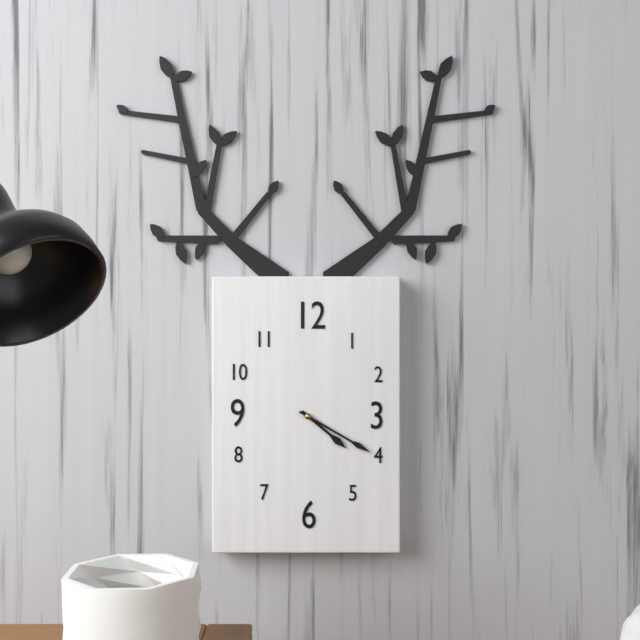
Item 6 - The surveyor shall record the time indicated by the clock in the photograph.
4:20
